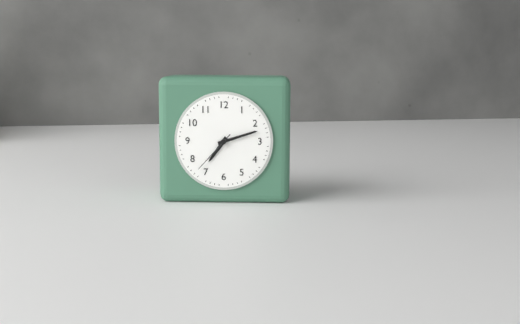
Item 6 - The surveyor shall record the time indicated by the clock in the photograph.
7:12
